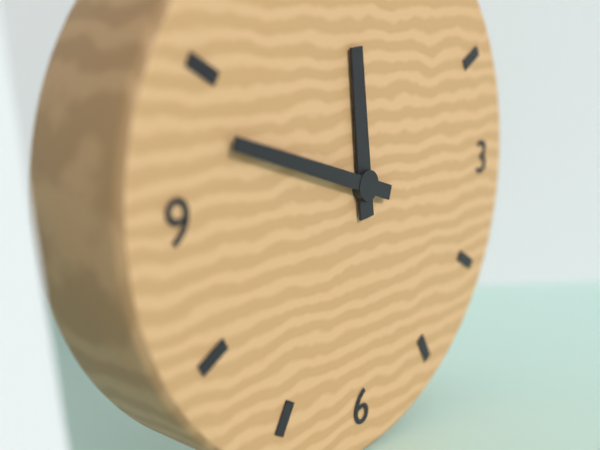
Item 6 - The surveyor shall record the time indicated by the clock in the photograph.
11:48
